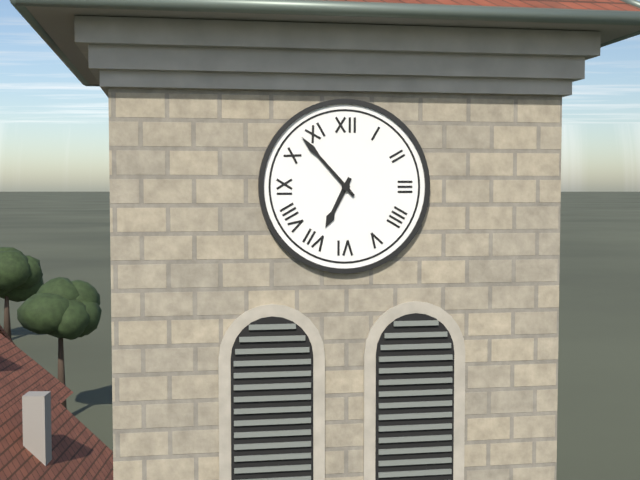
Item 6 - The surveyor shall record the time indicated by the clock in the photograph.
6:53
